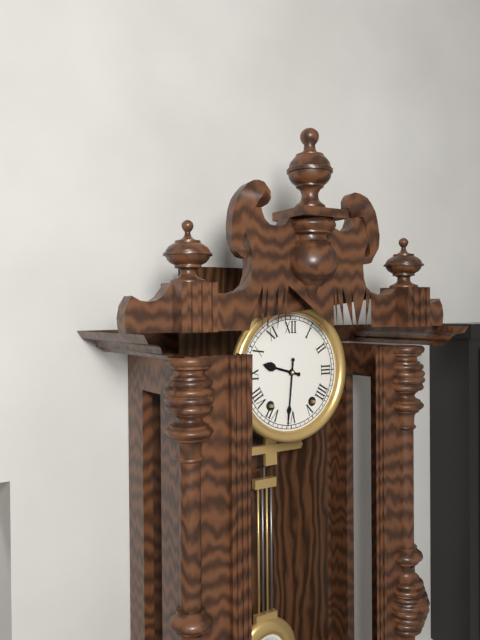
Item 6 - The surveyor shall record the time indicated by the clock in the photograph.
9:31
